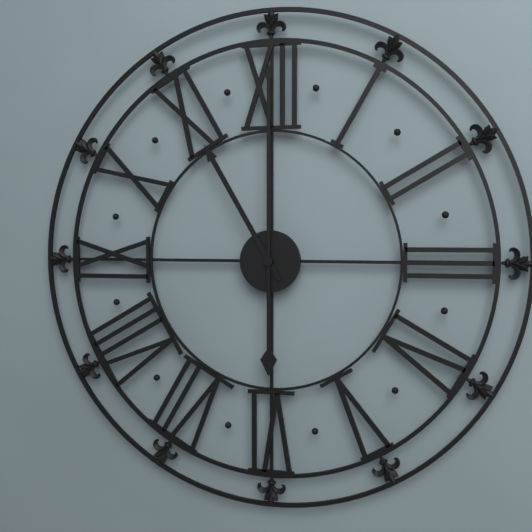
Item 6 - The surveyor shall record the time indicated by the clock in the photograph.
11:00
